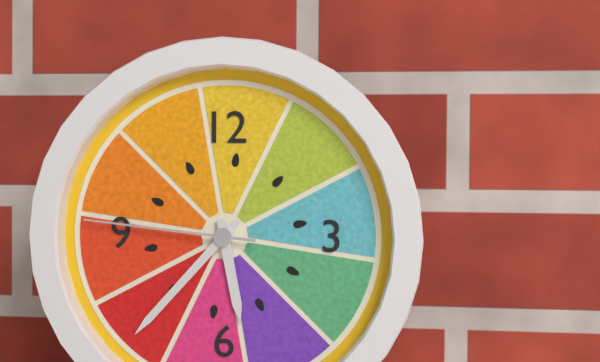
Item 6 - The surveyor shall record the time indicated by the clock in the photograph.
5:37:46
